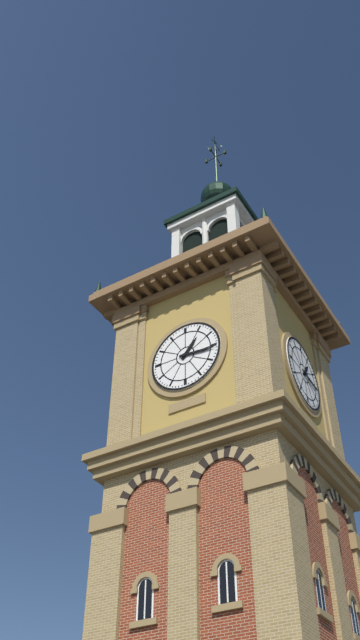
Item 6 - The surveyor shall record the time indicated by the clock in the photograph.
1:16
